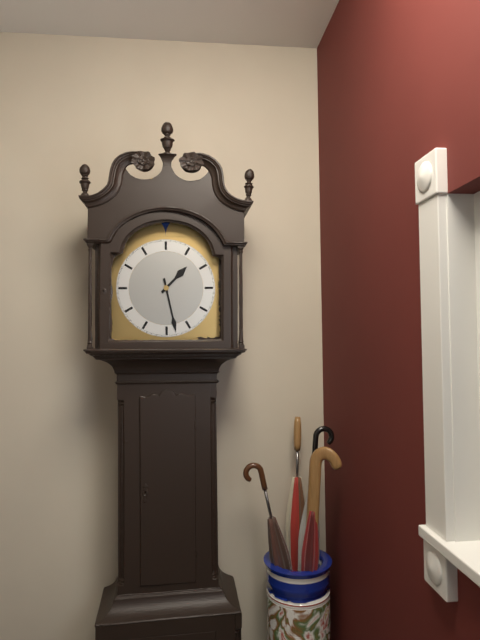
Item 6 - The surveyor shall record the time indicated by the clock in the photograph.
1:28
